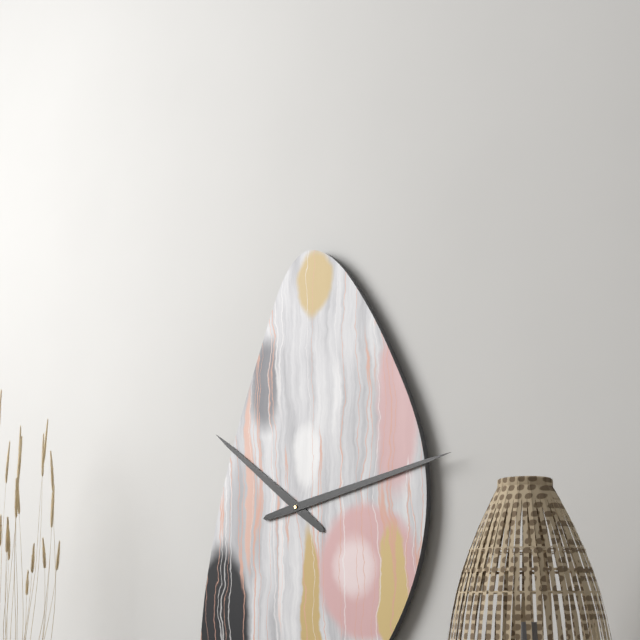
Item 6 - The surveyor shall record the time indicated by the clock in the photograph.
10:13
